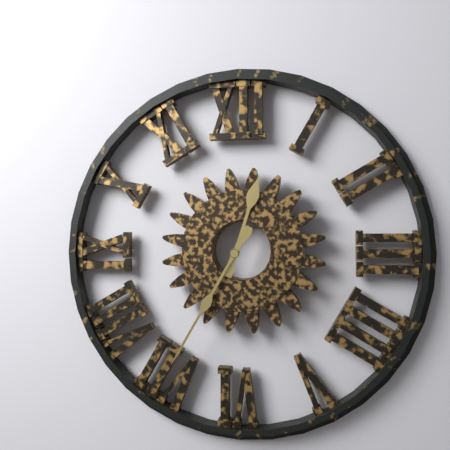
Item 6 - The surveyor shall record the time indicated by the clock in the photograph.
12:35
